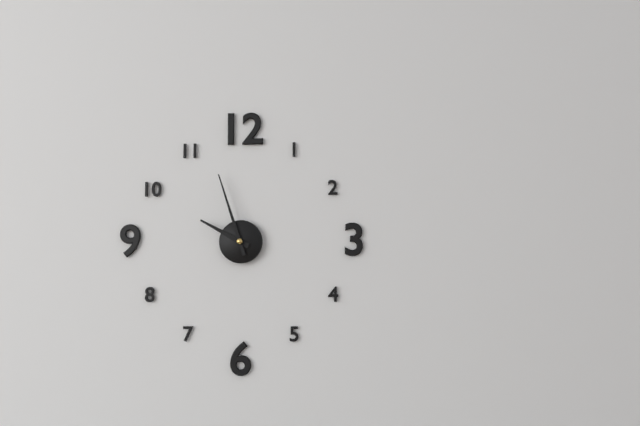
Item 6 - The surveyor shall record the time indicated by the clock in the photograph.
9:57
